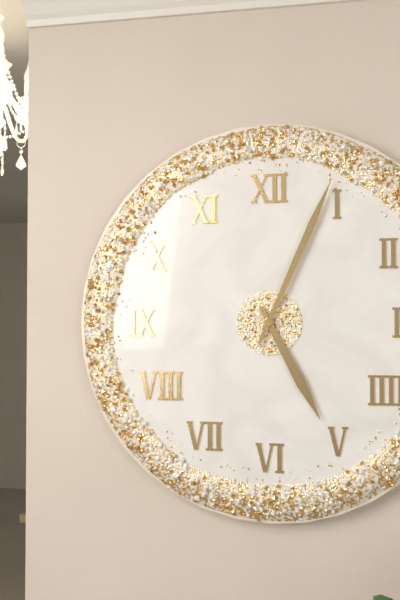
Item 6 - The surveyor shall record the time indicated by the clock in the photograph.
5:04
